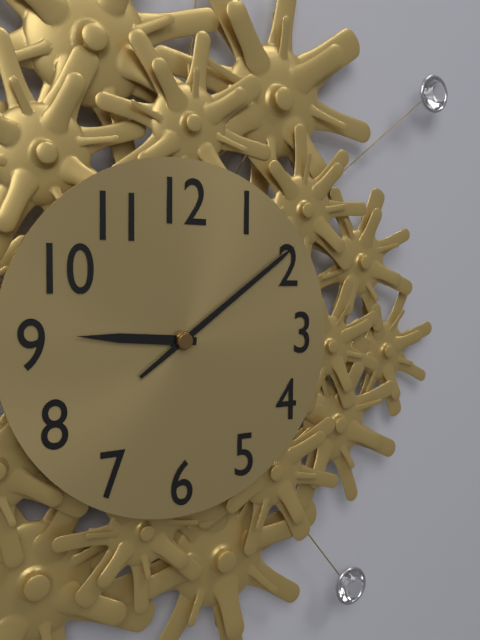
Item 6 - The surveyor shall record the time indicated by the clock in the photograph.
9:09
